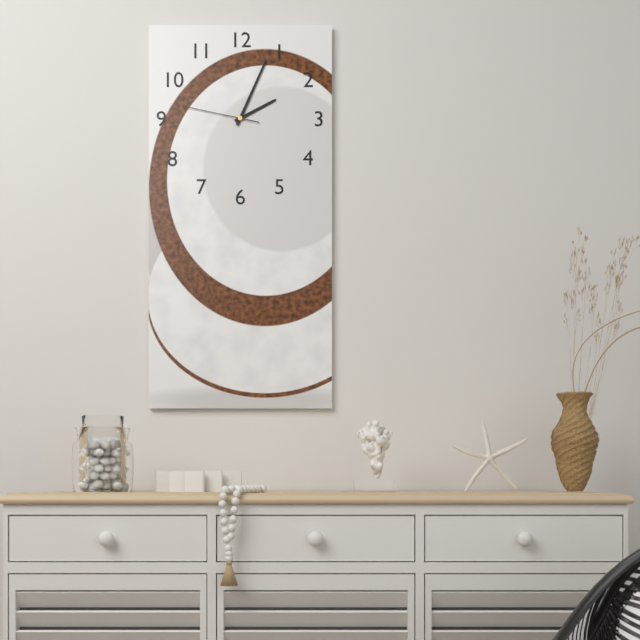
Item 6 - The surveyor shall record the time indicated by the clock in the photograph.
2:04:47
